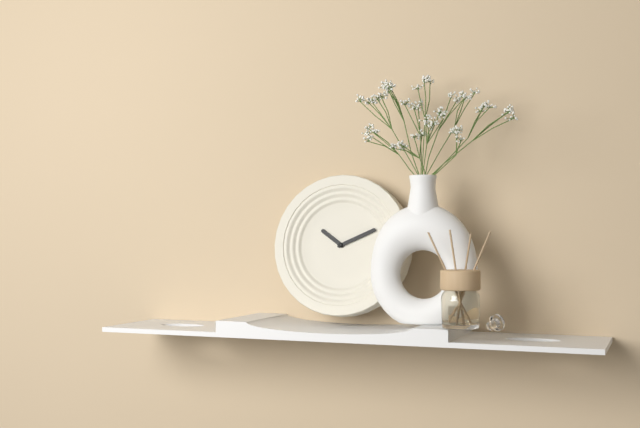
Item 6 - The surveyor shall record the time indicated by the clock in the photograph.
10:11
